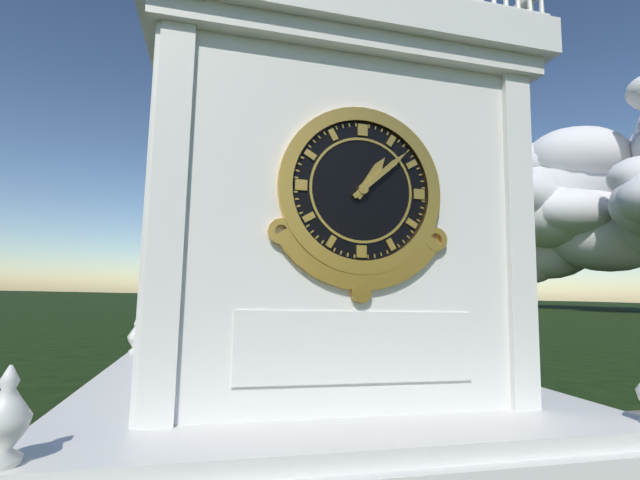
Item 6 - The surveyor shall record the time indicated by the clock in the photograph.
1:08
